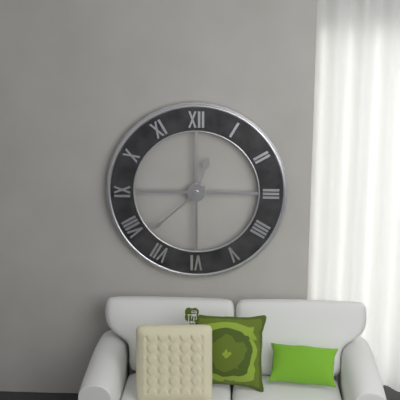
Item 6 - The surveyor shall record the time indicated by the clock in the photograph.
12:38
